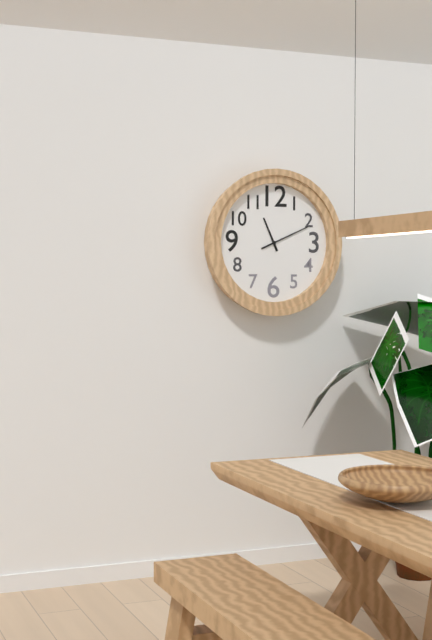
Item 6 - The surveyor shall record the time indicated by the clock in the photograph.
11:11
